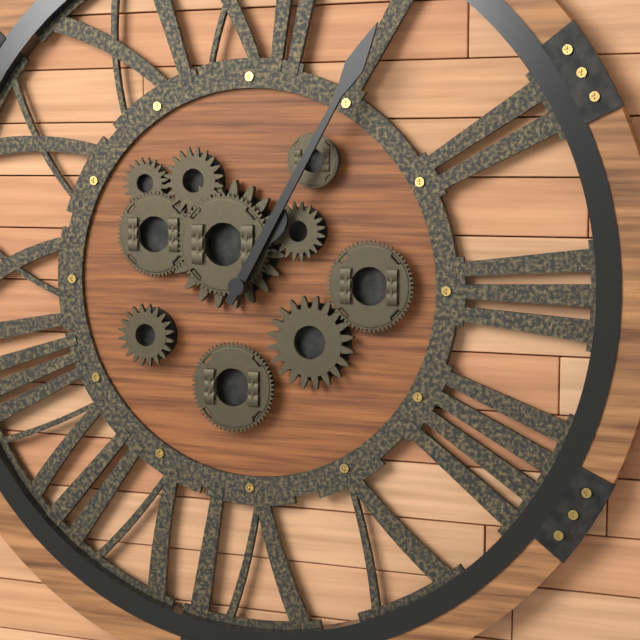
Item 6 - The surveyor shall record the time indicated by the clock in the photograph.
1:05
